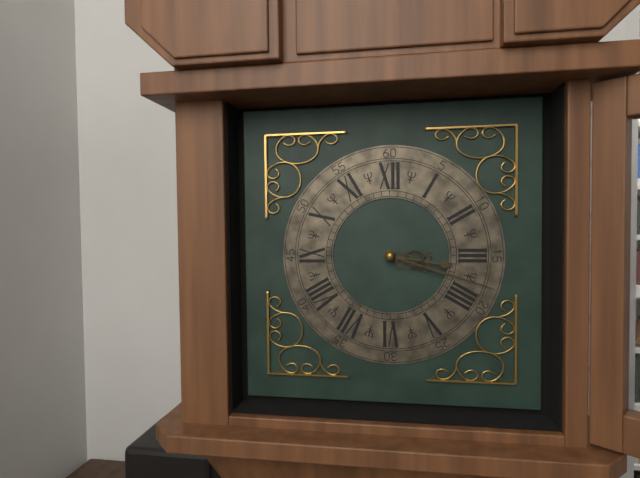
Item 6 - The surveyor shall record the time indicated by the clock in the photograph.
3:18
